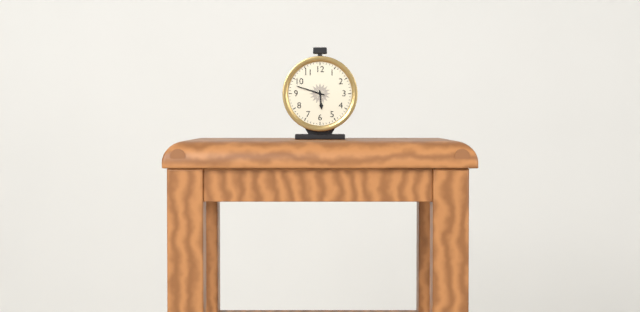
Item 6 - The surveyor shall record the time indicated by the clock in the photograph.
5:48
